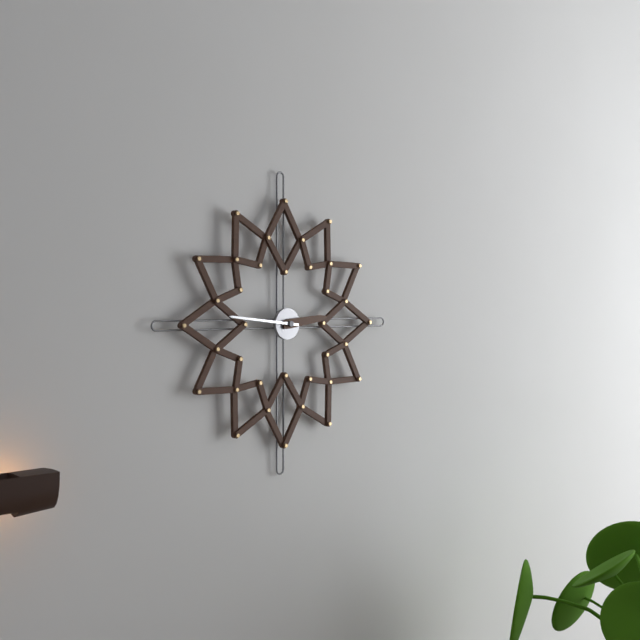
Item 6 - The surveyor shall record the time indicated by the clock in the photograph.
2:46
